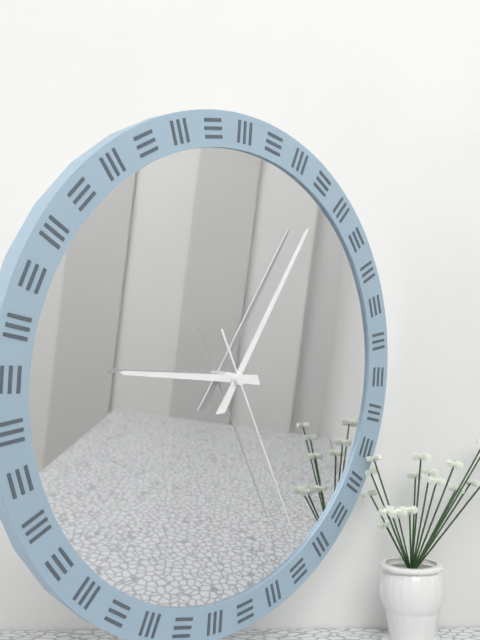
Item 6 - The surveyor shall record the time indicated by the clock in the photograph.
9:05:25
